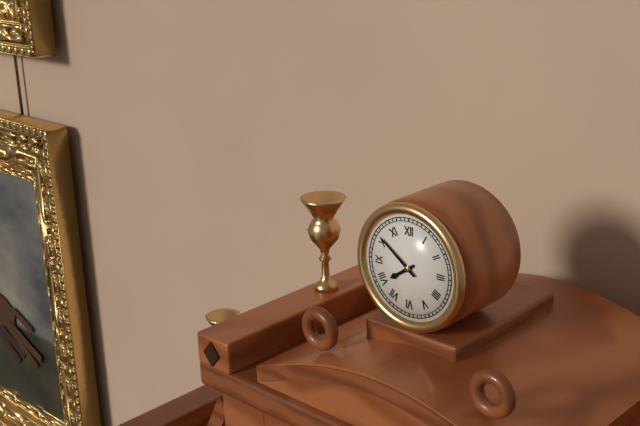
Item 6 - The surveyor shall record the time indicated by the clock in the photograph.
7:51
